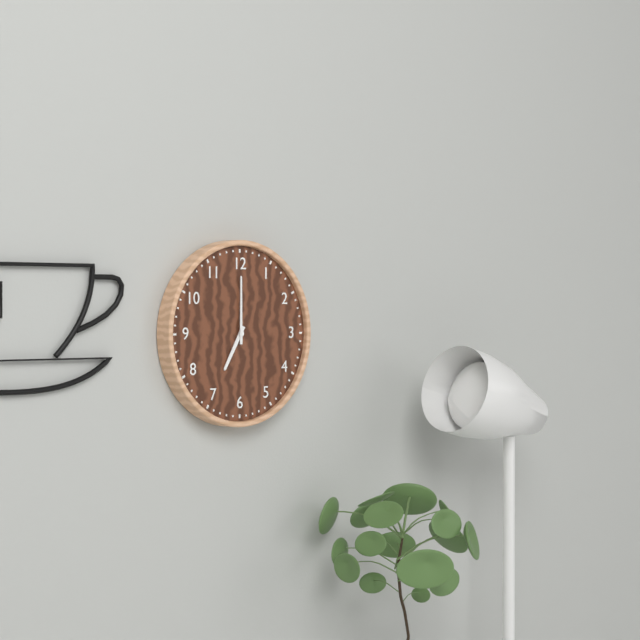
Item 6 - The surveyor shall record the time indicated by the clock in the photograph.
7:00
